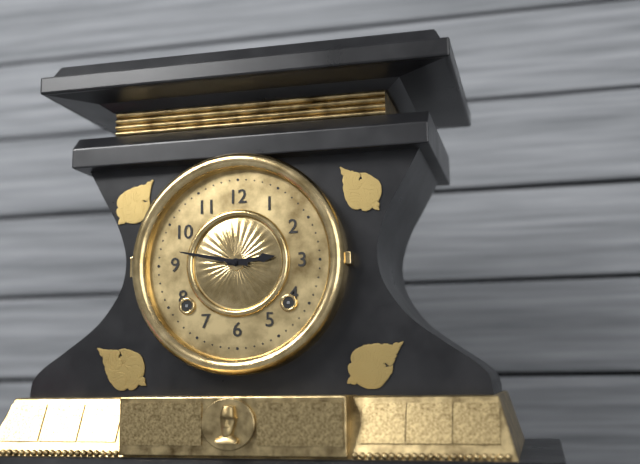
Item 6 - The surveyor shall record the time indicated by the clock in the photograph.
2:47
